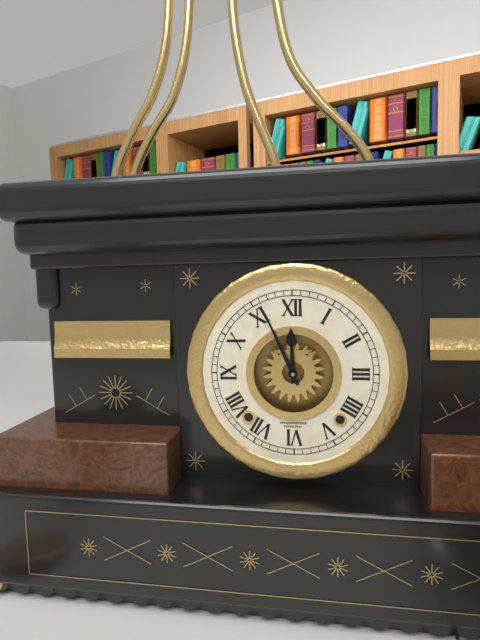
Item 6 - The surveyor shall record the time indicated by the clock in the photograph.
11:56
